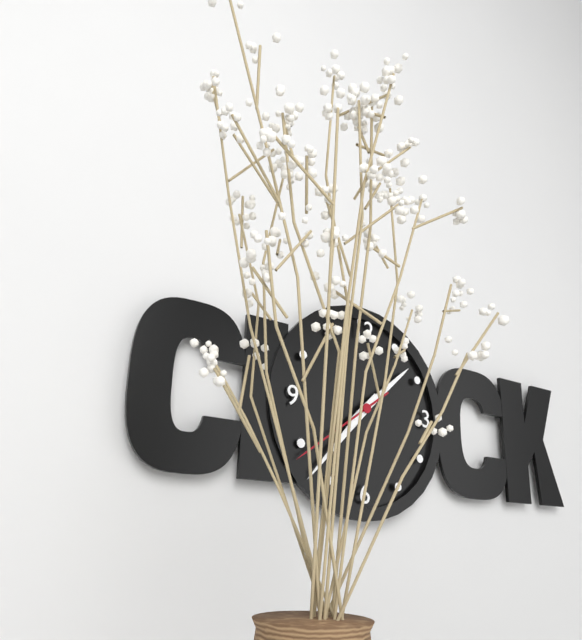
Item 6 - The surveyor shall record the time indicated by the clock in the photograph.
1:37:39
